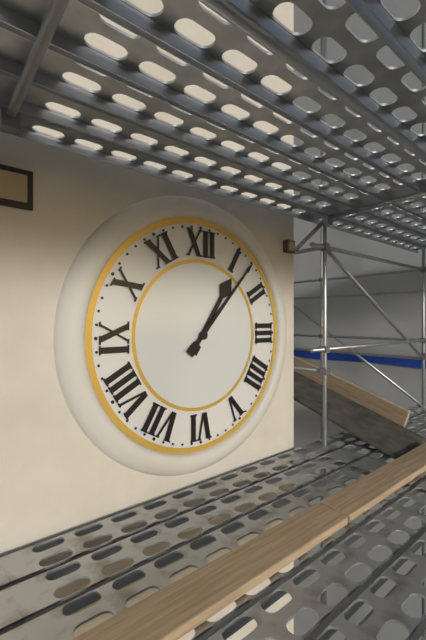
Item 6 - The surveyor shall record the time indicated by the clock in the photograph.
1:07
